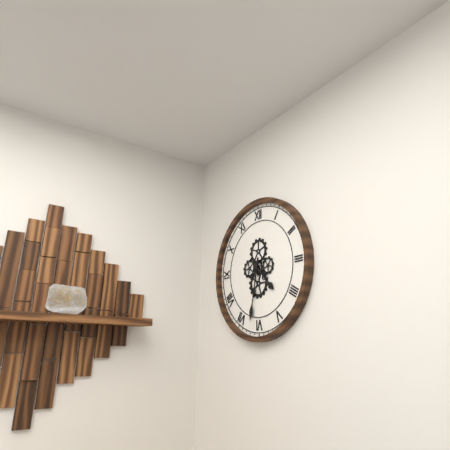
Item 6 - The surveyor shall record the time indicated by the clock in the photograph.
4:32
